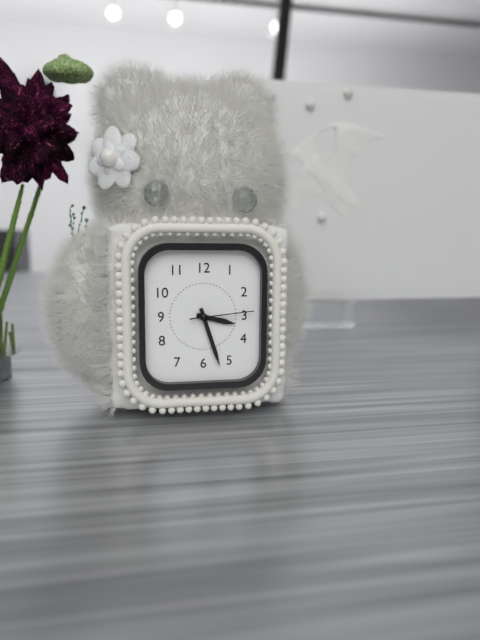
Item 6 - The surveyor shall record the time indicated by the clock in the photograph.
3:27:14
